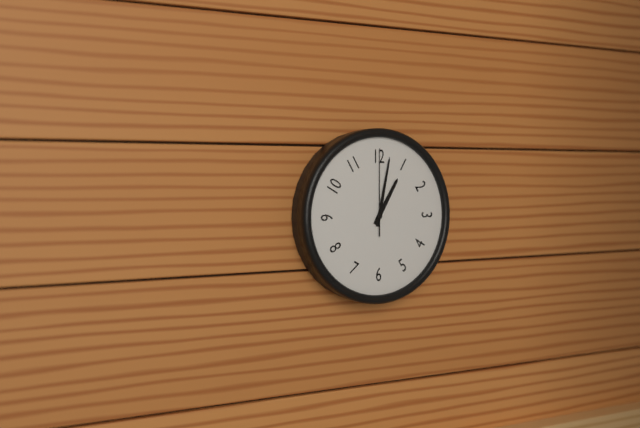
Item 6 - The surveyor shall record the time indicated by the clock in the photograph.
1:02:00
